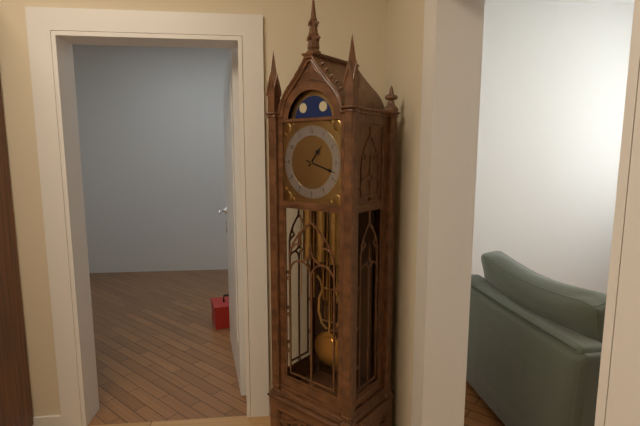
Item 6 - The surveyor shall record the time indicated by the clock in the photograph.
1:18
